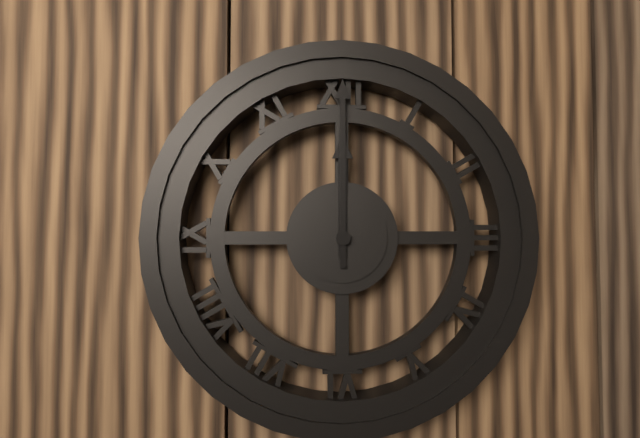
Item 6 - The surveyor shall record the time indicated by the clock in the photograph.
12:00
